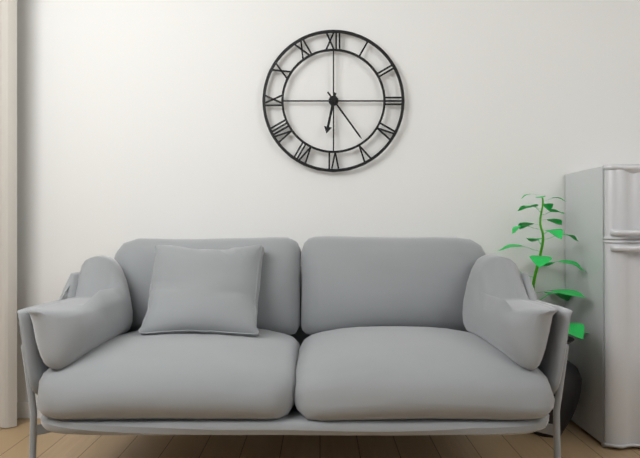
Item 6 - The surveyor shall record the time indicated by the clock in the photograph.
6:24
